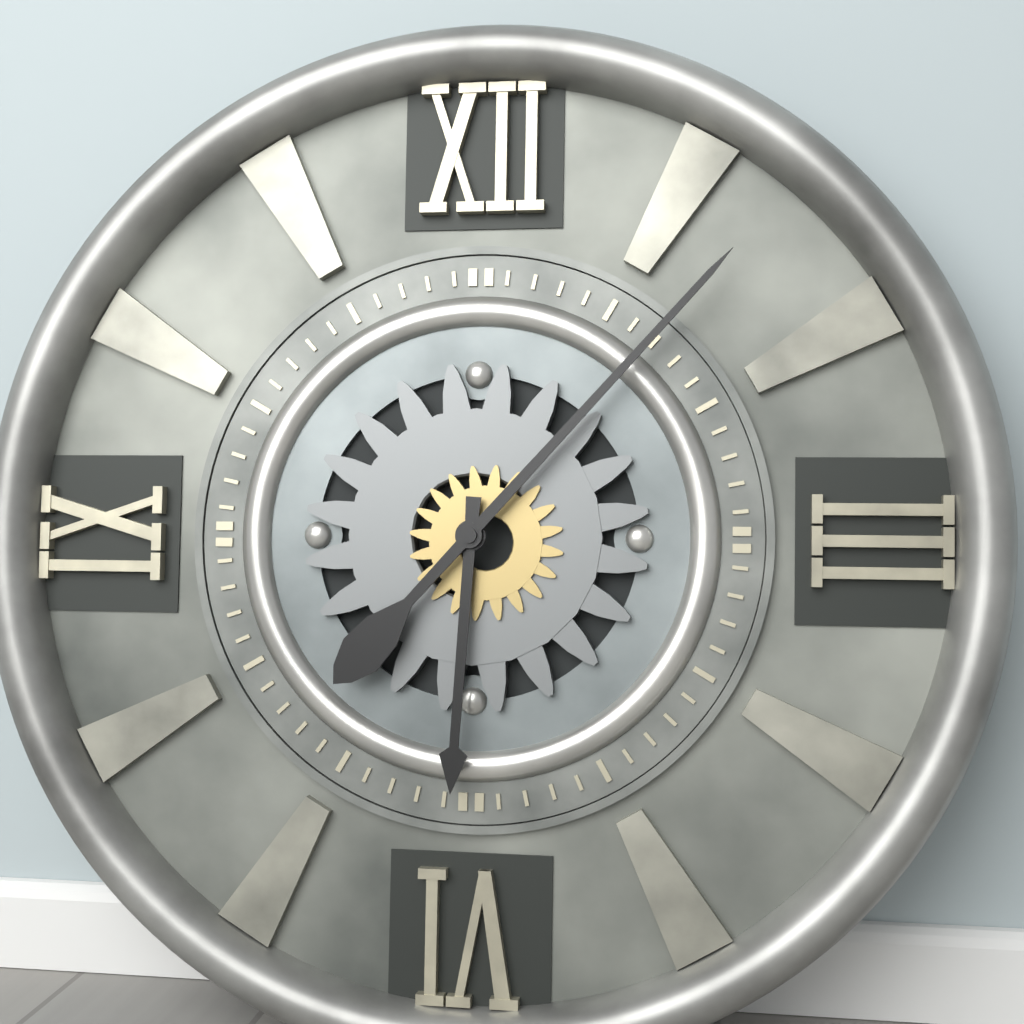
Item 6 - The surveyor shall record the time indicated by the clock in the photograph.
6:07
